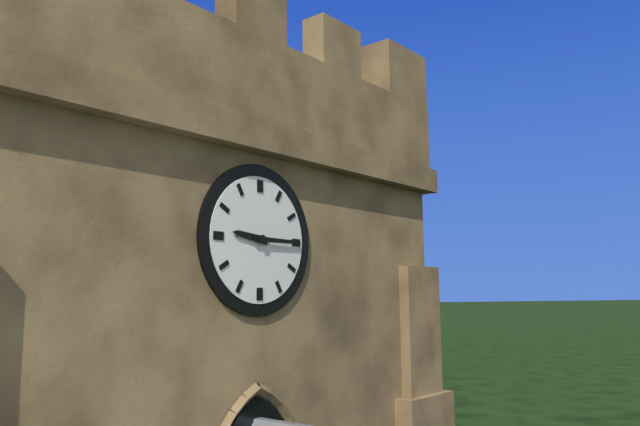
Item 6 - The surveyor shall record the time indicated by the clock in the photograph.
9:15
